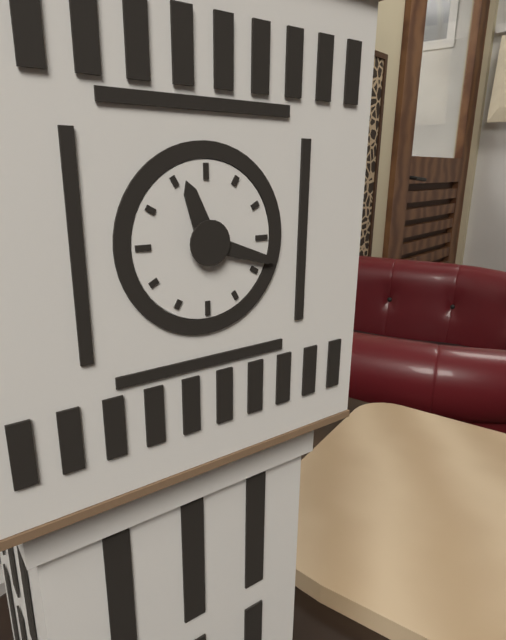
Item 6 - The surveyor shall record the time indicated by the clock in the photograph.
11:18
